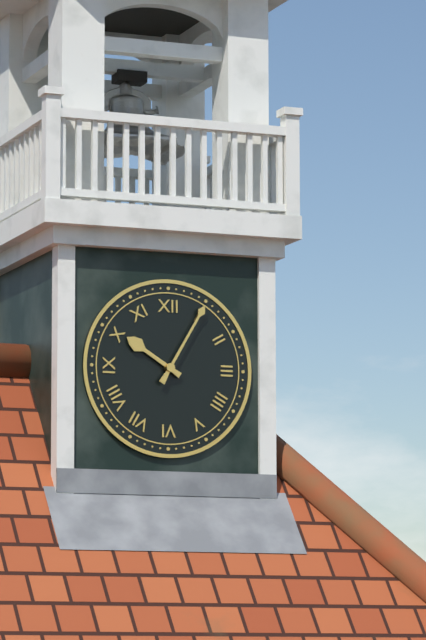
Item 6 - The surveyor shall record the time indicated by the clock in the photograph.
10:05
